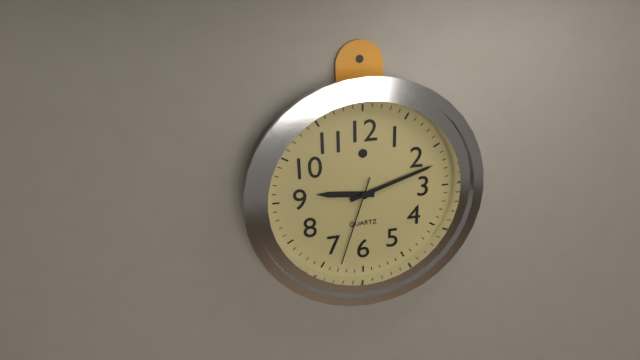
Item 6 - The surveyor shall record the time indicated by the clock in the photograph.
9:12:33
